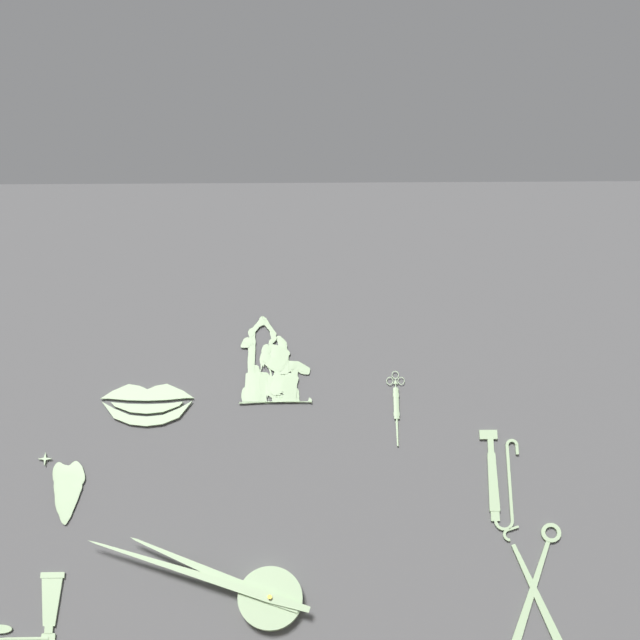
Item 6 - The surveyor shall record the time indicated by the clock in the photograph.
9:48
